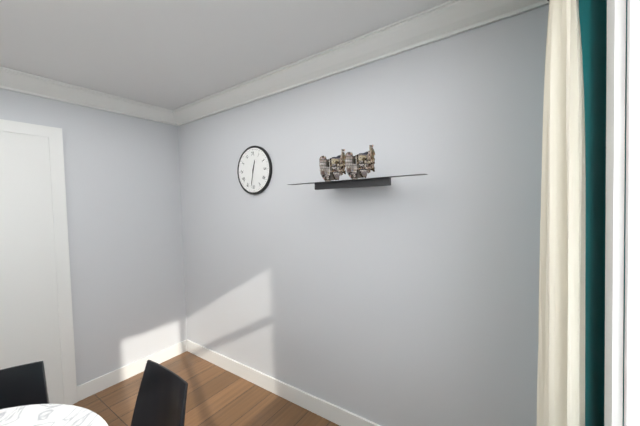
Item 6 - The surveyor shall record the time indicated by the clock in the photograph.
12:32
